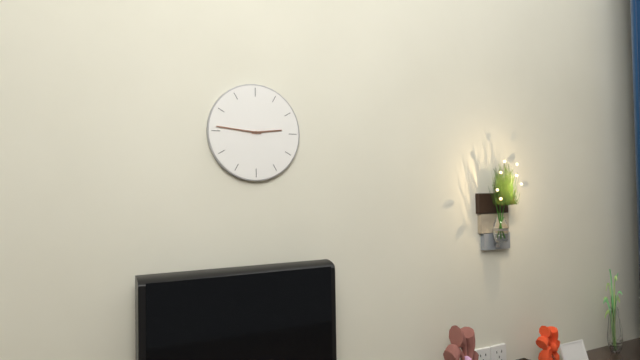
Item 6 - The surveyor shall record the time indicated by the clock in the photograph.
2:46
